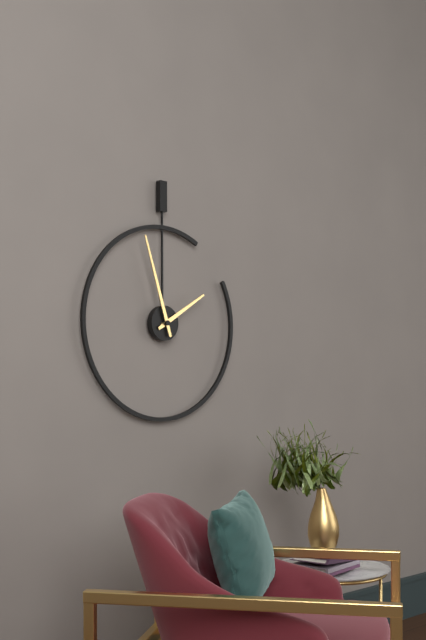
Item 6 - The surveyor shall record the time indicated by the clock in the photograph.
1:57
